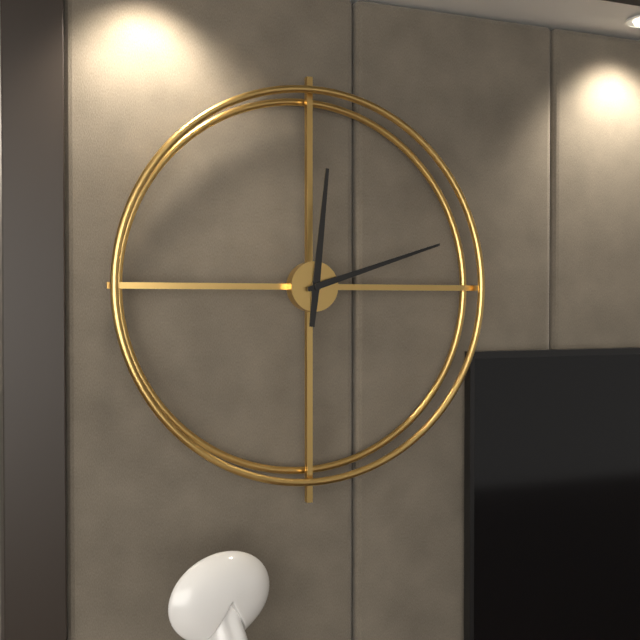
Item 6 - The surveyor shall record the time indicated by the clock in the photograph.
12:12
